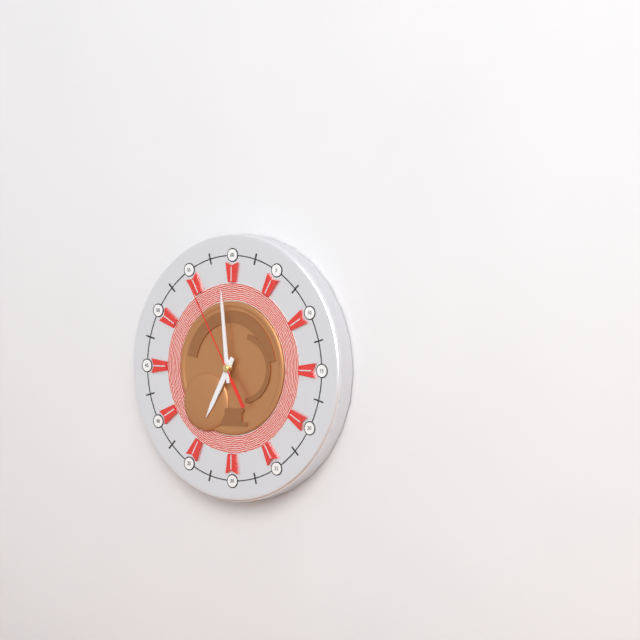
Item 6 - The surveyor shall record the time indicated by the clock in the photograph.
6:59:55
